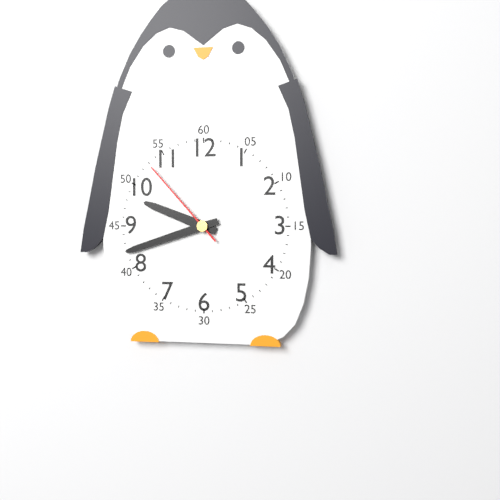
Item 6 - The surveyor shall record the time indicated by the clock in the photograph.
9:42:53
